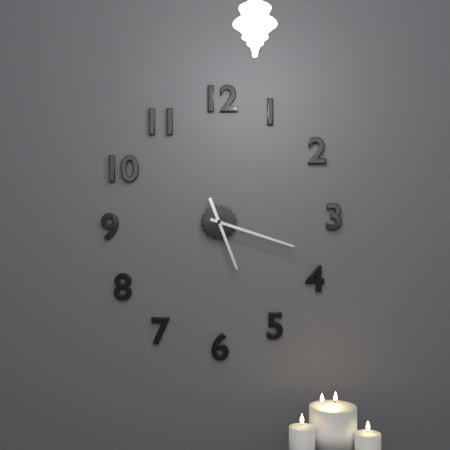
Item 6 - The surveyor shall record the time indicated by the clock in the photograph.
5:18
